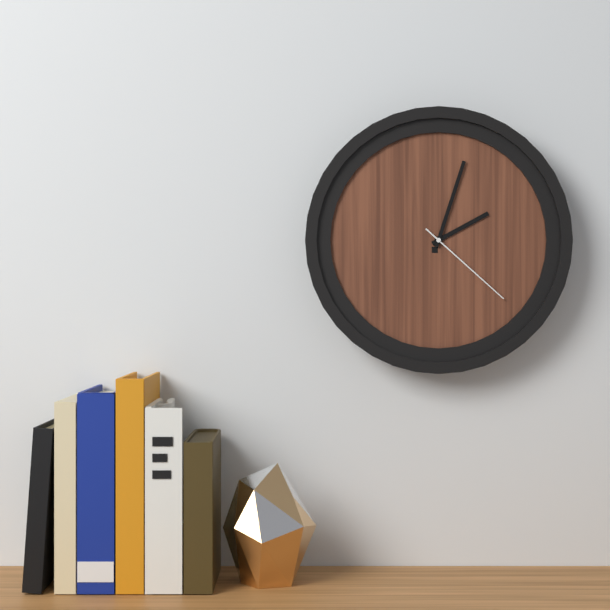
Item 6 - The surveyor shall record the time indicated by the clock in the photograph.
2:03:22
